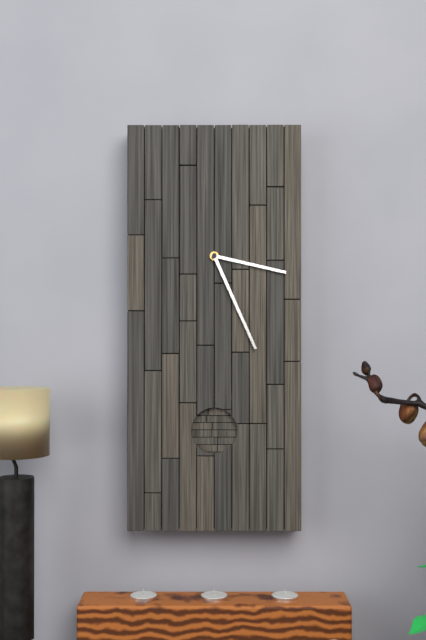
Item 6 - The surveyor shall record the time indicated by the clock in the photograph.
3:26
